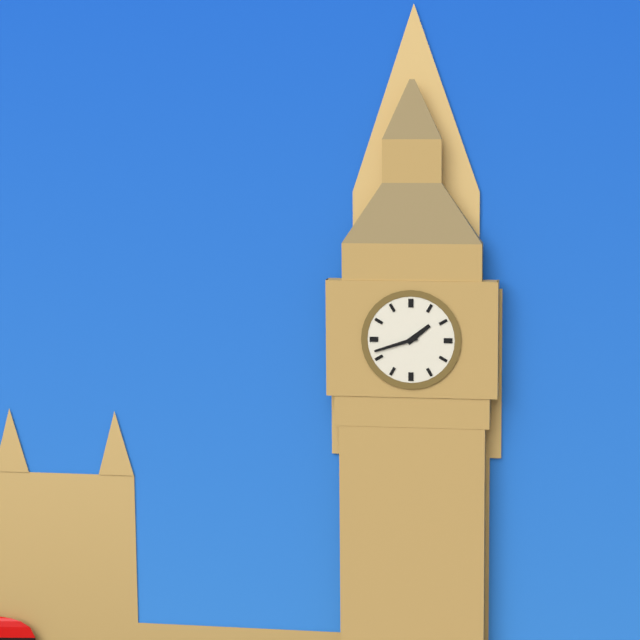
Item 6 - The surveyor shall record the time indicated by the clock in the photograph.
1:42
